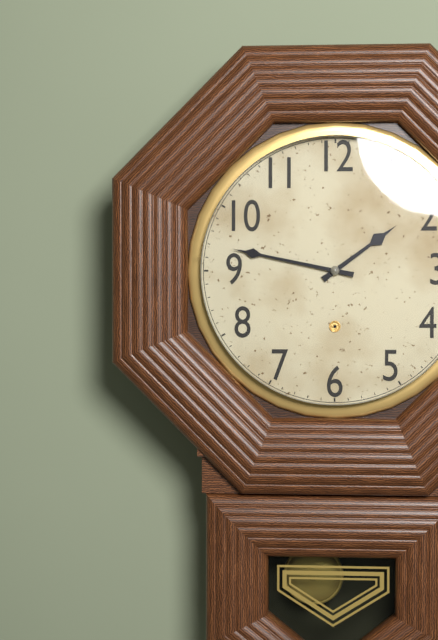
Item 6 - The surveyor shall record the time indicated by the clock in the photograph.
1:47
